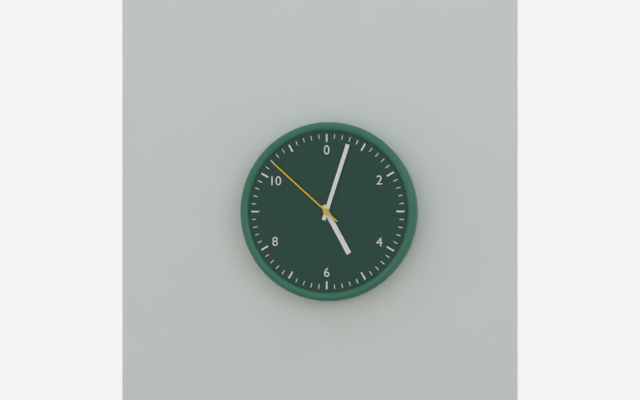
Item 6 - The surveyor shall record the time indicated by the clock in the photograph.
5:03:52
